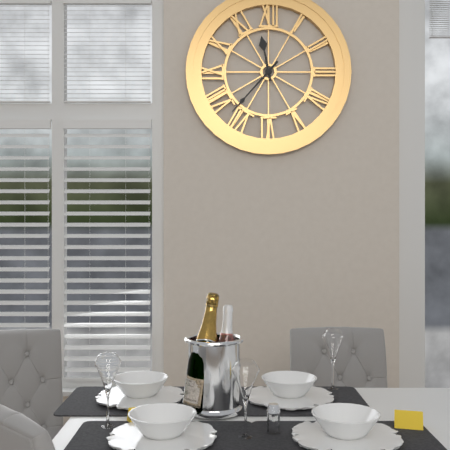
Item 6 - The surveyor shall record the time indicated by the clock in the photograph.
11:37
